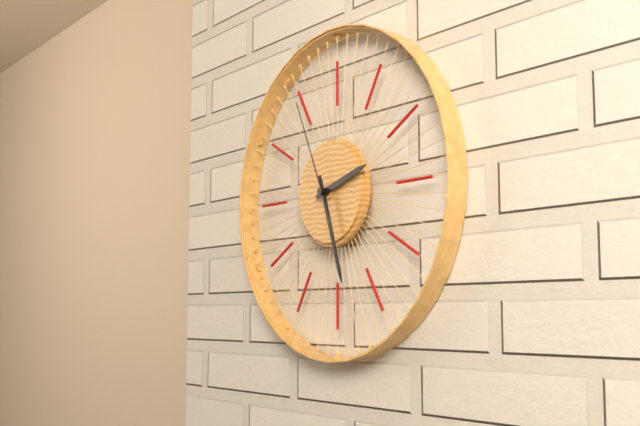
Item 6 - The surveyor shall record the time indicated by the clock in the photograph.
2:27:56
